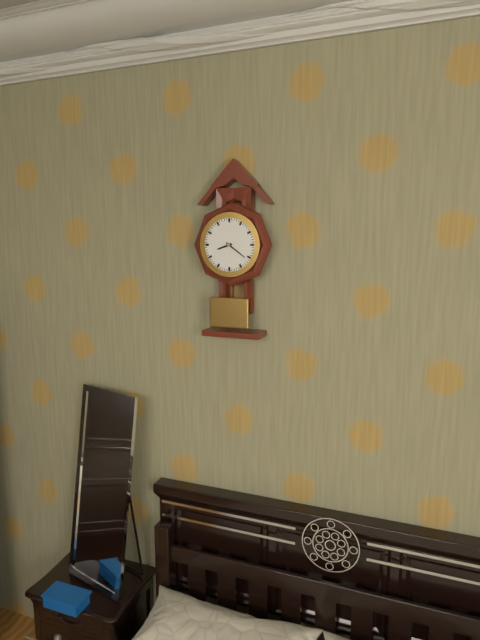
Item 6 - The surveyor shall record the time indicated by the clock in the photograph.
8:21
